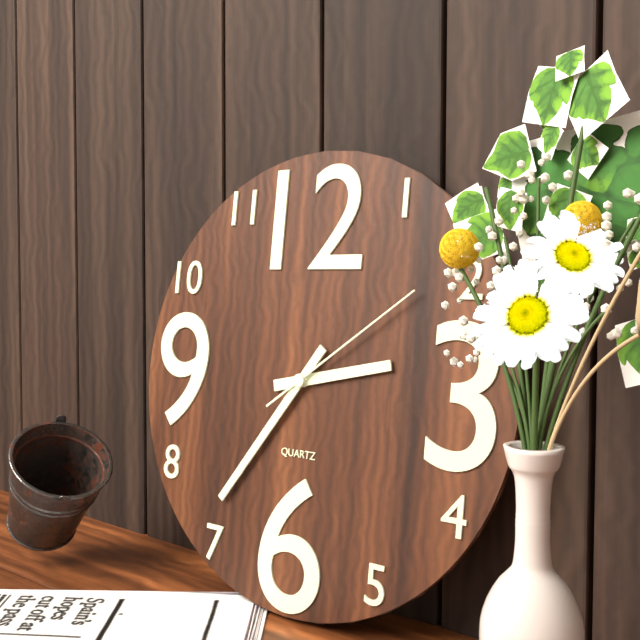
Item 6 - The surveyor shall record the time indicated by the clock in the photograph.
2:36:09
